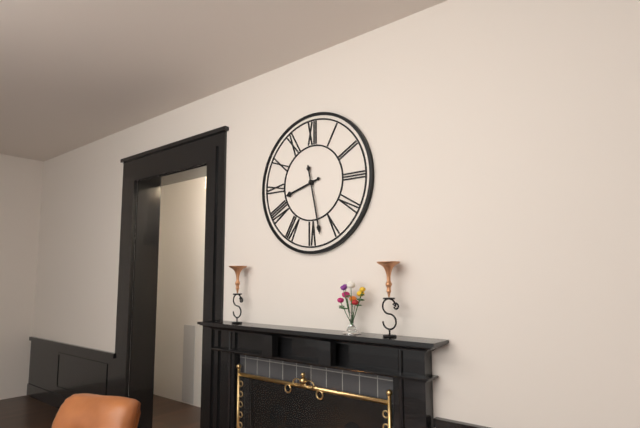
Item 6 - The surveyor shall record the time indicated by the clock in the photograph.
8:28
